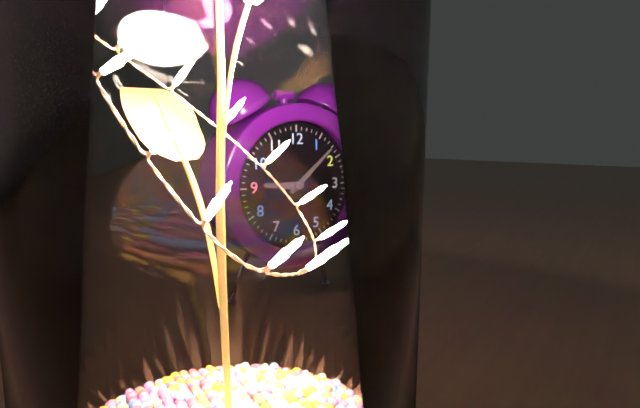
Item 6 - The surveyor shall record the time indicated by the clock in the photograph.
9:08
